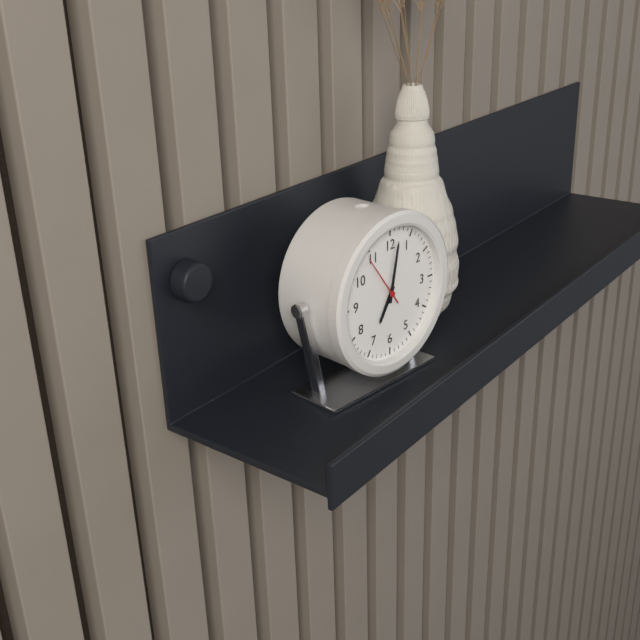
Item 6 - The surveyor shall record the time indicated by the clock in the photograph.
7:02:54
